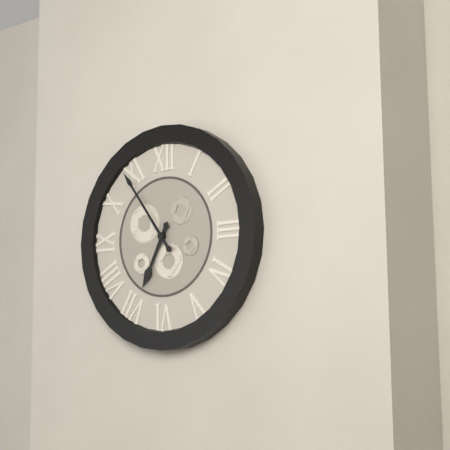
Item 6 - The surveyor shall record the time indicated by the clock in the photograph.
6:54
